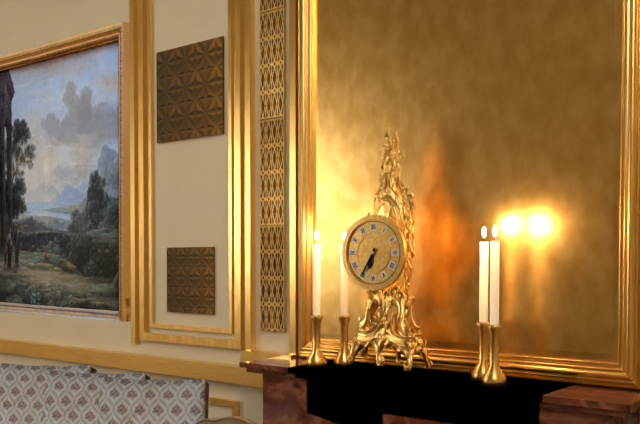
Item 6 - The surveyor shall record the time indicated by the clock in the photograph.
6:35
